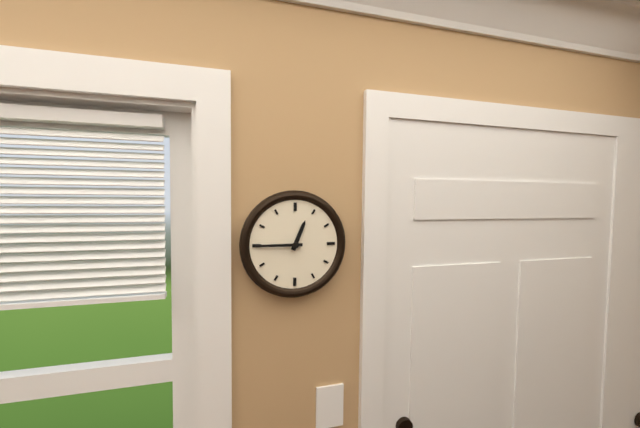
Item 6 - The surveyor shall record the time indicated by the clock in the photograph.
12:45
